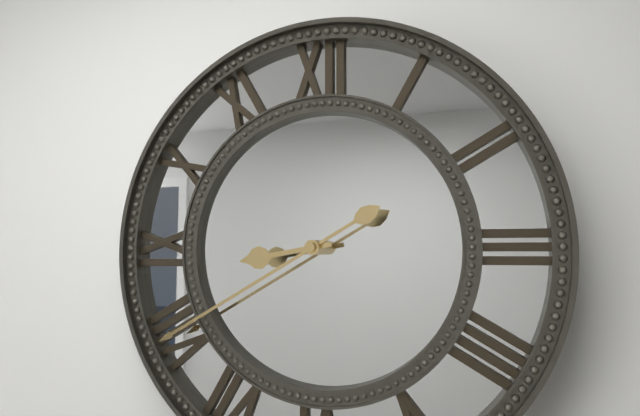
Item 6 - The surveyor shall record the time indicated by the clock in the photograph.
8:40
